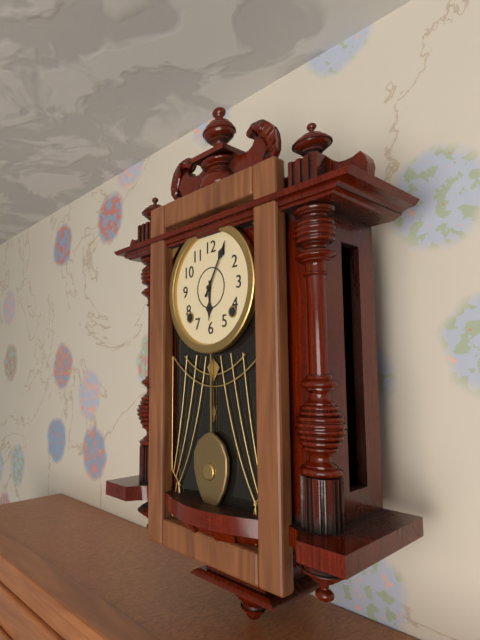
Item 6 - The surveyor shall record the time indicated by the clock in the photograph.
6:05
